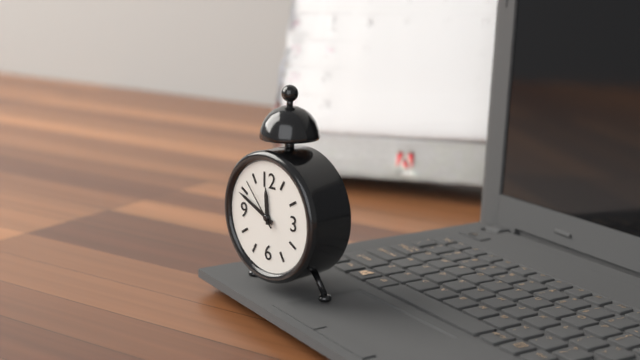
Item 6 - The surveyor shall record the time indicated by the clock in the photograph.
11:49:53
